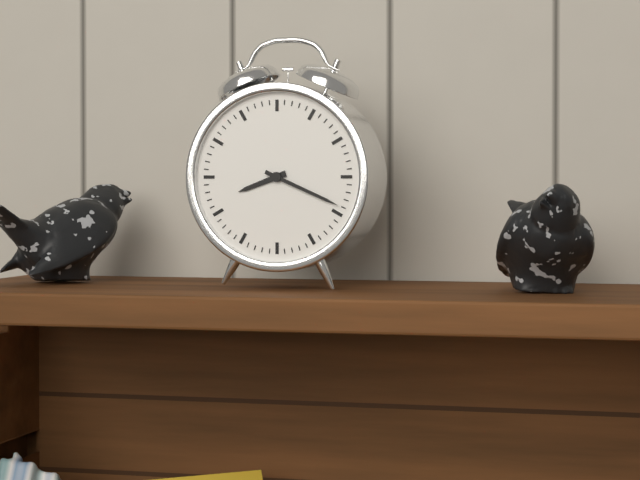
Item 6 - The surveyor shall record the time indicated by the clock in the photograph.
8:19
